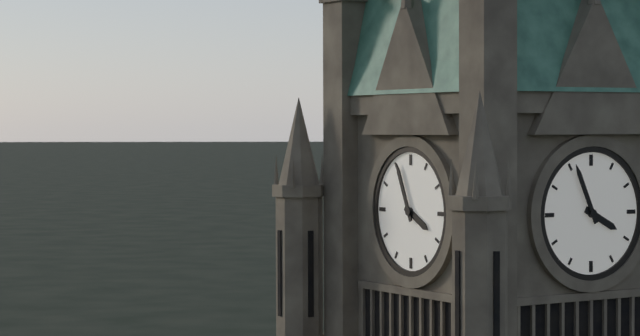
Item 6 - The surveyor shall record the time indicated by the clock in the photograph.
3:56
